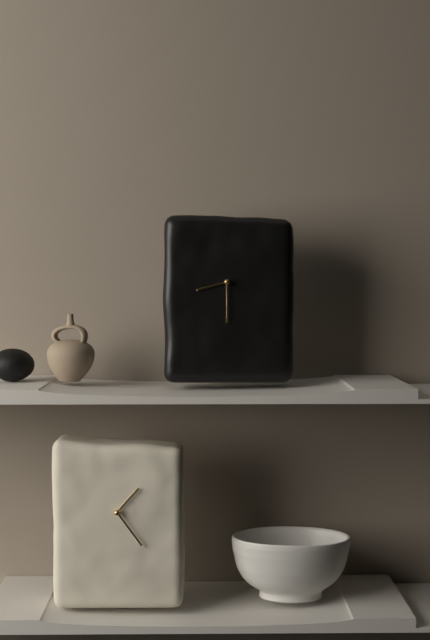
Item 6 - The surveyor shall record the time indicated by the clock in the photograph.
8:30
